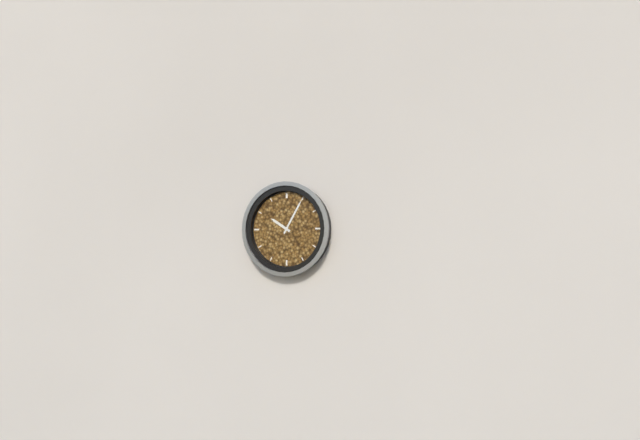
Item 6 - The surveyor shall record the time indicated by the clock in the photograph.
10:05
